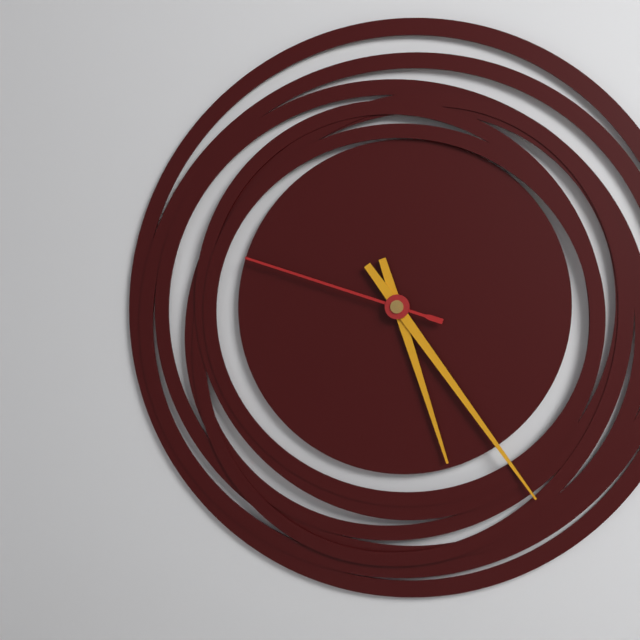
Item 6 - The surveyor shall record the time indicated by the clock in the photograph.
5:24:48
